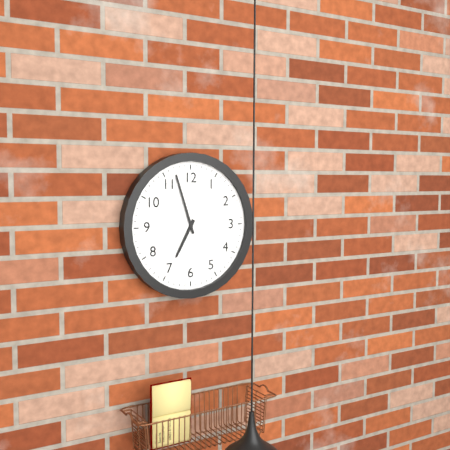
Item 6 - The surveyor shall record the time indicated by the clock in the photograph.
6:57
